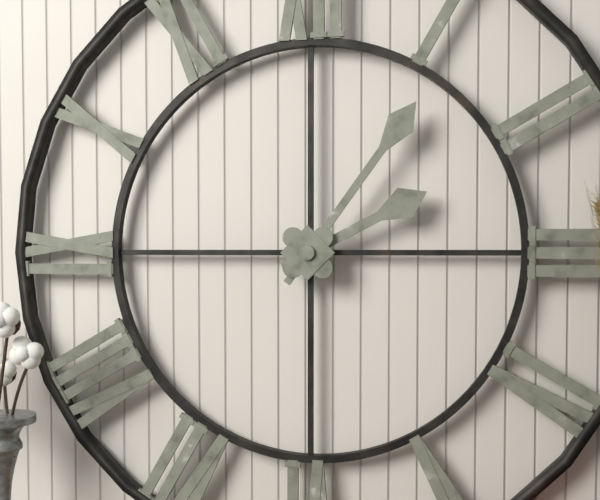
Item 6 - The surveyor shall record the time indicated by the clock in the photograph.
2:06
